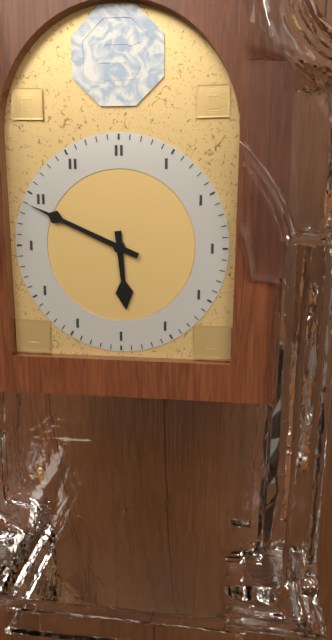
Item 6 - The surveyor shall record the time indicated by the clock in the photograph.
5:49
